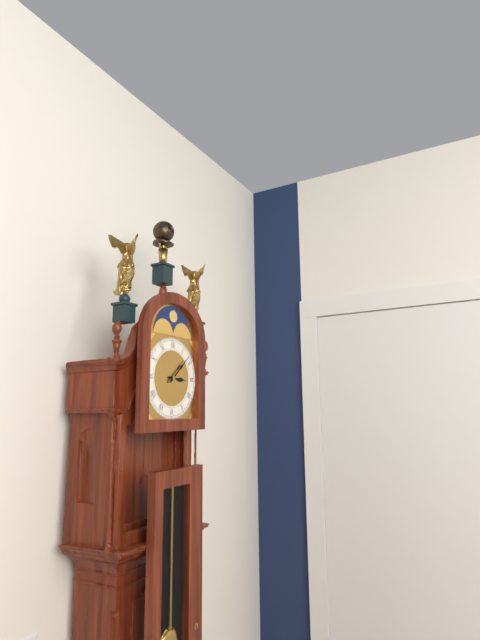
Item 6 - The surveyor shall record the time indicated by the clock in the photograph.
3:08
